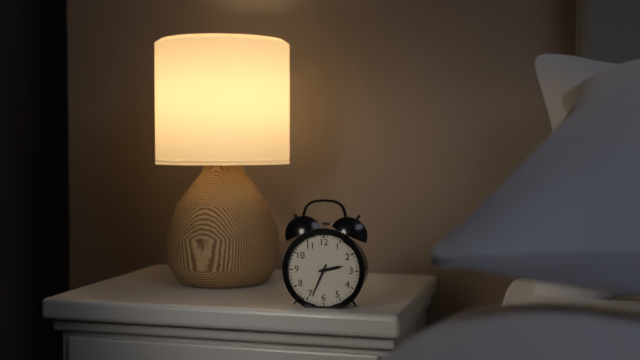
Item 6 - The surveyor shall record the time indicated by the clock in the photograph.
2:34
